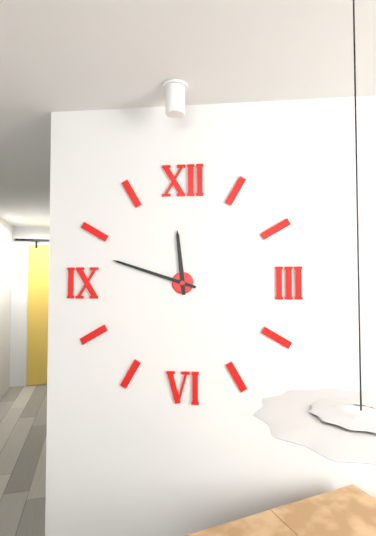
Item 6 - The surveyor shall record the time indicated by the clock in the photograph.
11:48
